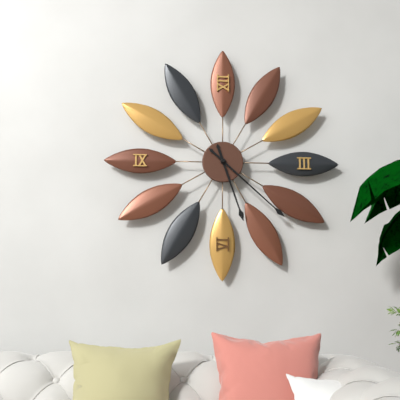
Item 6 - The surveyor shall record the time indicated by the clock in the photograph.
5:22
